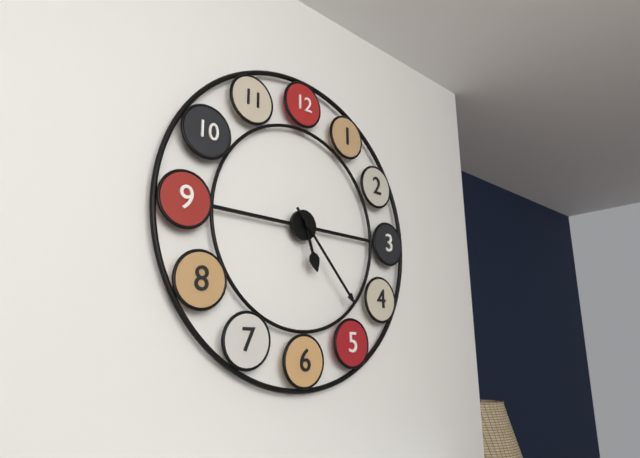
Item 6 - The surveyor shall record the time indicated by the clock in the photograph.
5:23
